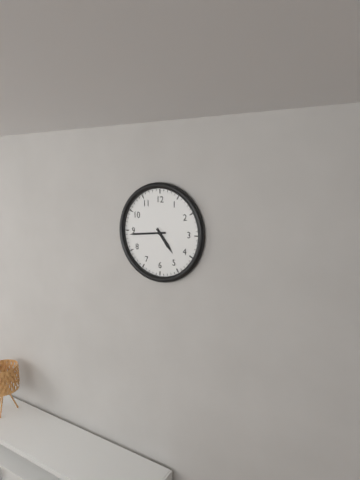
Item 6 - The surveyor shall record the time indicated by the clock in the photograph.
4:44
